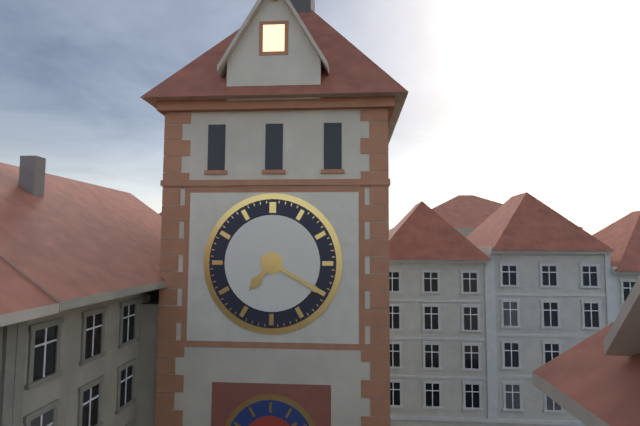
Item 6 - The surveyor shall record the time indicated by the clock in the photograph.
7:20
